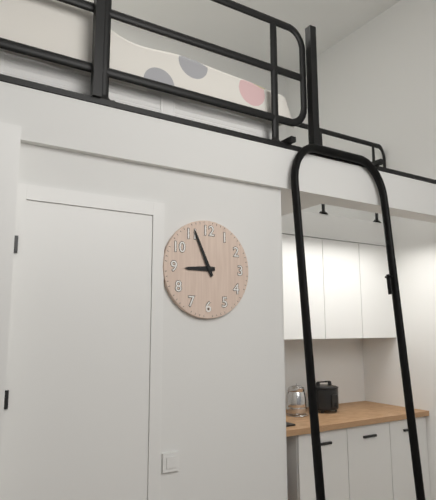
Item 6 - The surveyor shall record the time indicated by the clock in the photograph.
8:56
